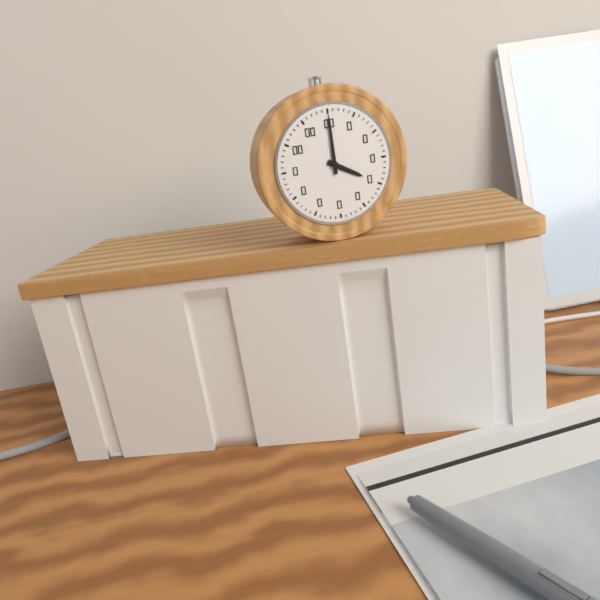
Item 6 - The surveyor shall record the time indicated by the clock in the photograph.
4:00
